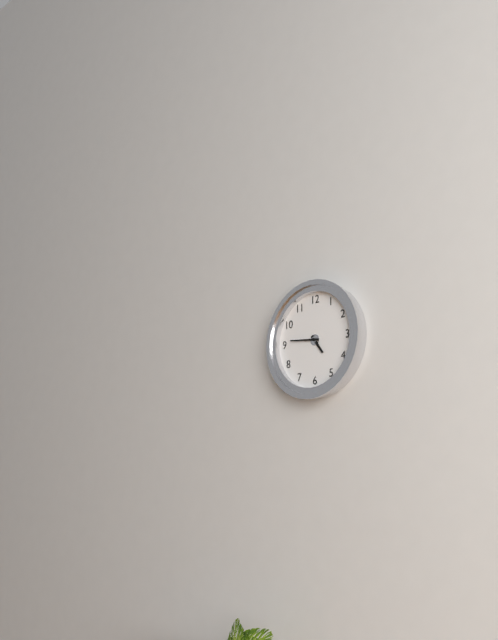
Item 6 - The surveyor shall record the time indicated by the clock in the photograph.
4:46
